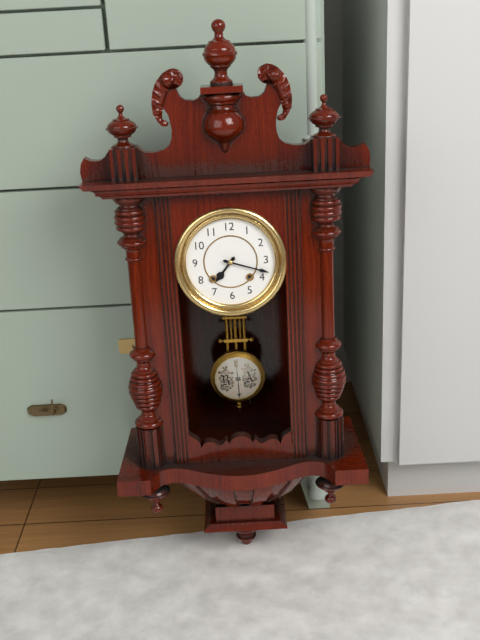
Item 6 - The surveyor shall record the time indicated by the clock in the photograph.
7:18
